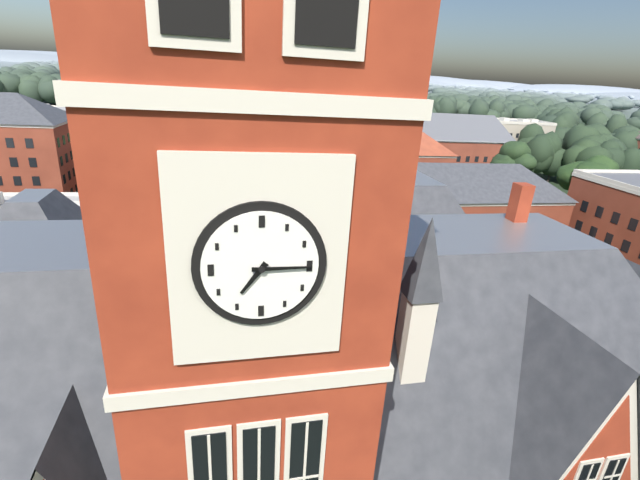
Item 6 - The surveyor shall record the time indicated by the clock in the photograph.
7:15
